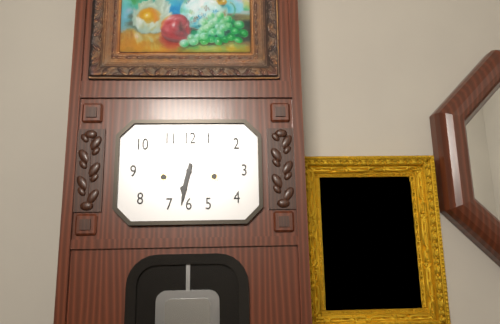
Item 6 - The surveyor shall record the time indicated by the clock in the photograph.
6:32
